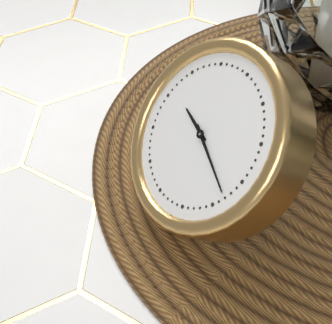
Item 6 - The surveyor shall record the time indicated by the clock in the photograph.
9:18
